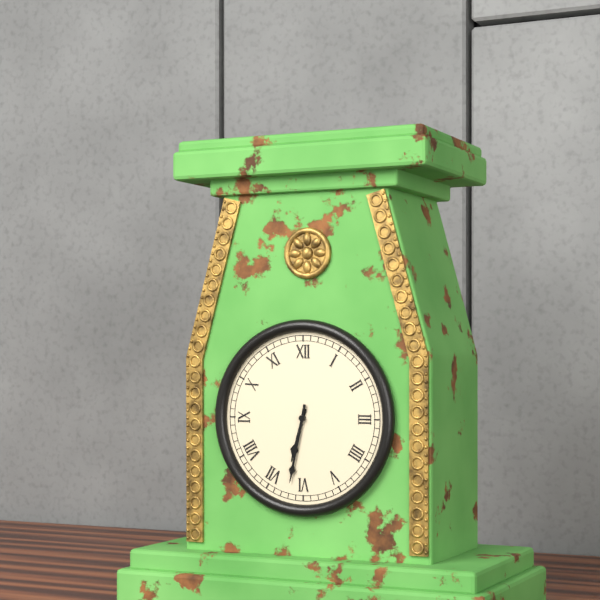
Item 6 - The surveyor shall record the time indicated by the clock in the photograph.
6:32
